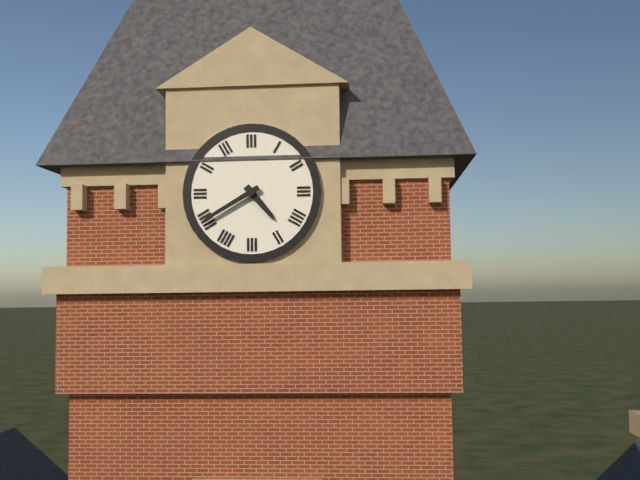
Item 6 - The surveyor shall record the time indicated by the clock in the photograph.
4:40
